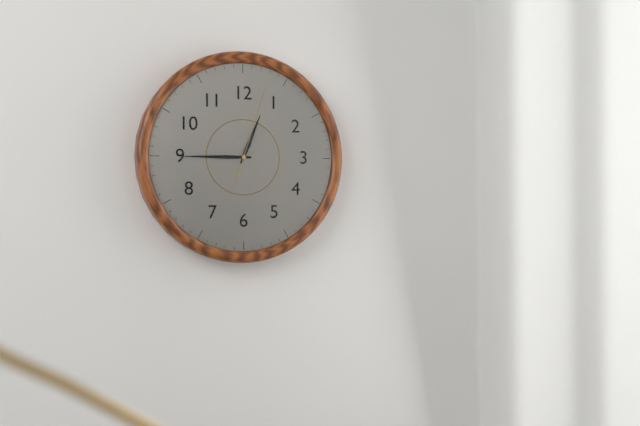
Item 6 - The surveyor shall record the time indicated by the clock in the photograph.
12:45:03
